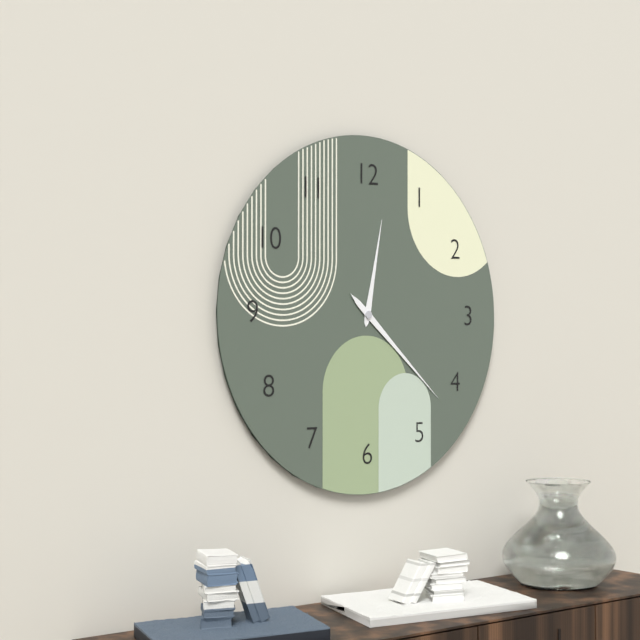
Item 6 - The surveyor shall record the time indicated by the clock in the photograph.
12:22
